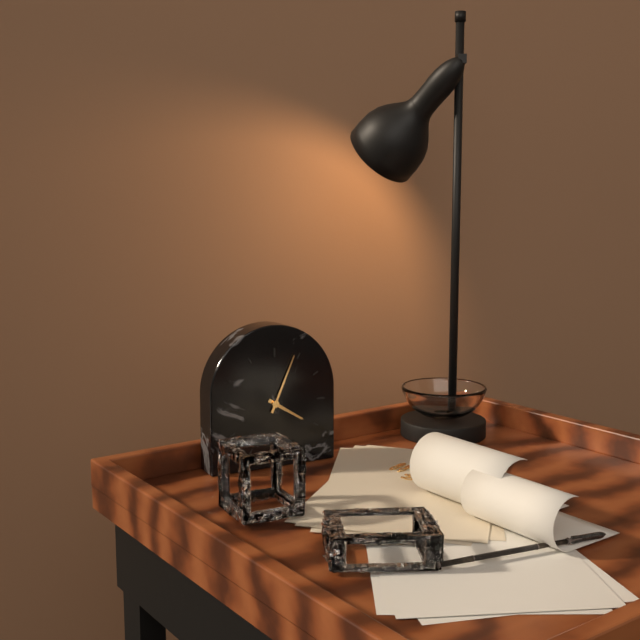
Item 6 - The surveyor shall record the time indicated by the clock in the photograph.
4:04
